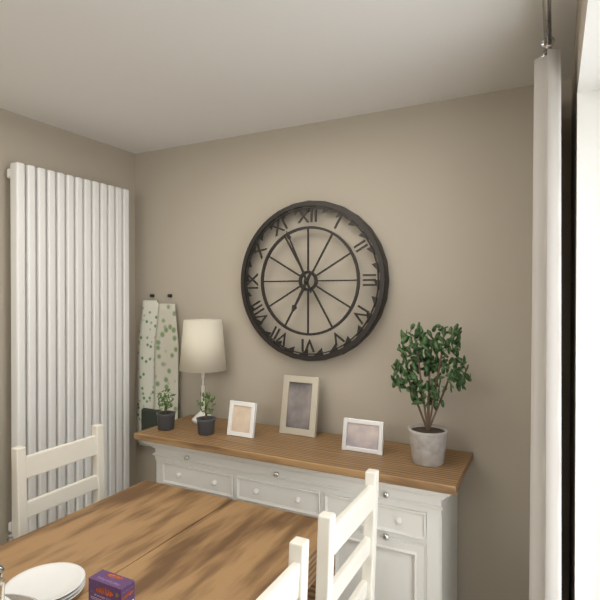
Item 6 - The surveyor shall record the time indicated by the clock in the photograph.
6:56
